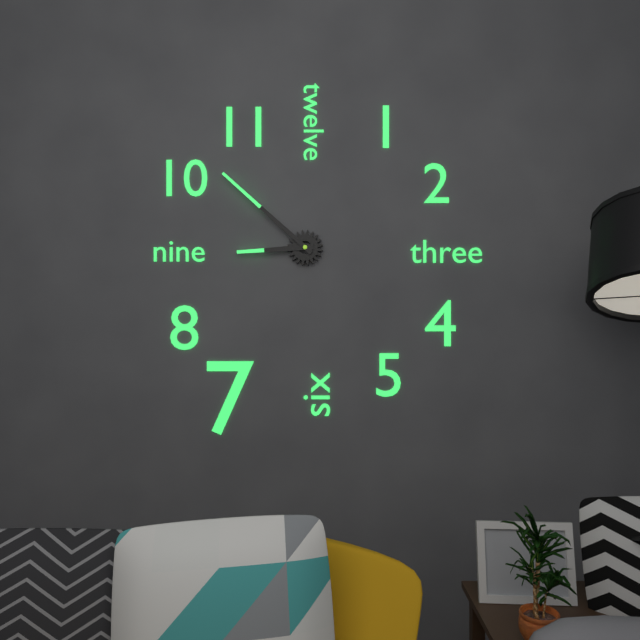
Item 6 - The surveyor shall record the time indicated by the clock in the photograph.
8:52
